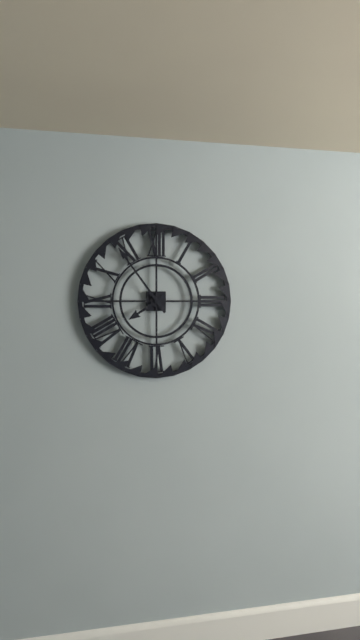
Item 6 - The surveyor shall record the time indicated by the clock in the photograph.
7:54
